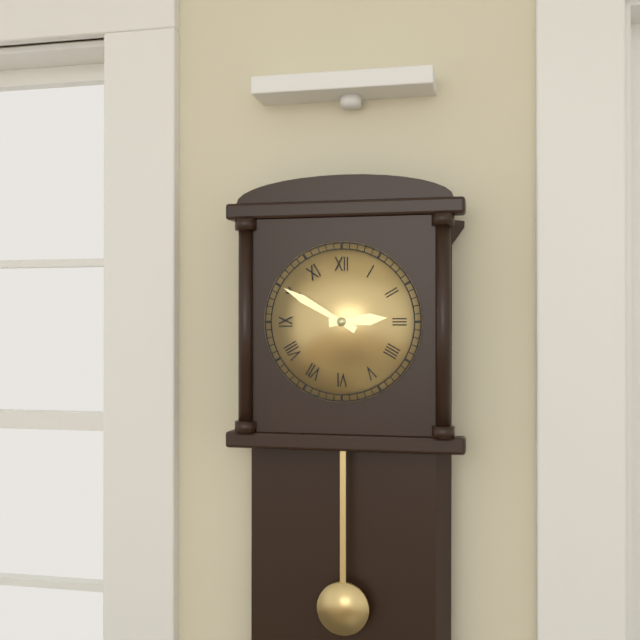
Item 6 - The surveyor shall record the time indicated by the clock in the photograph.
2:50
